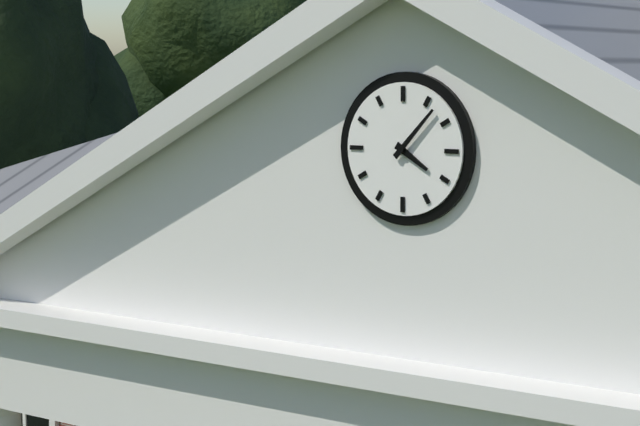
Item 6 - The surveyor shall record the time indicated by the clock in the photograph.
4:07
